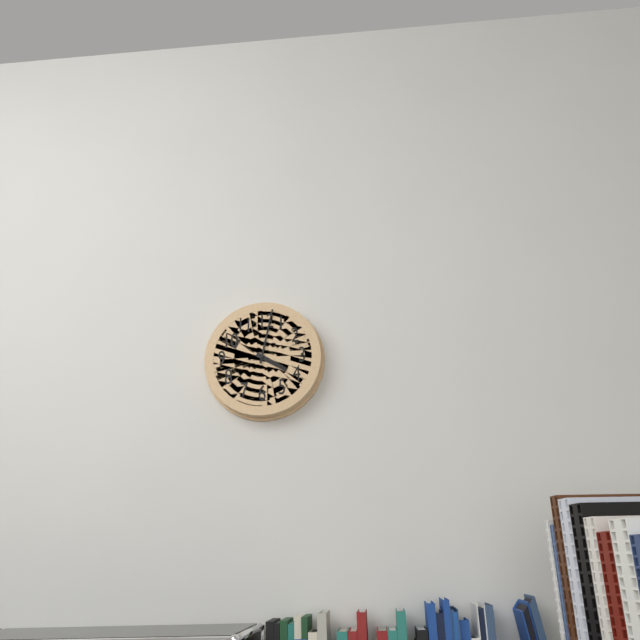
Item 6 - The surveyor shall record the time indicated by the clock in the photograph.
4:02
